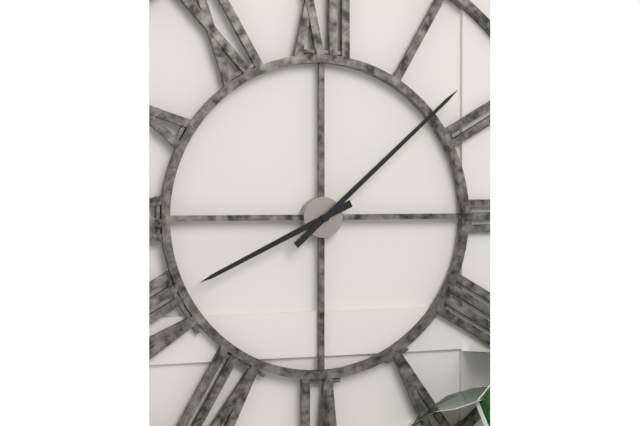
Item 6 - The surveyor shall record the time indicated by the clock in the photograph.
8:08
